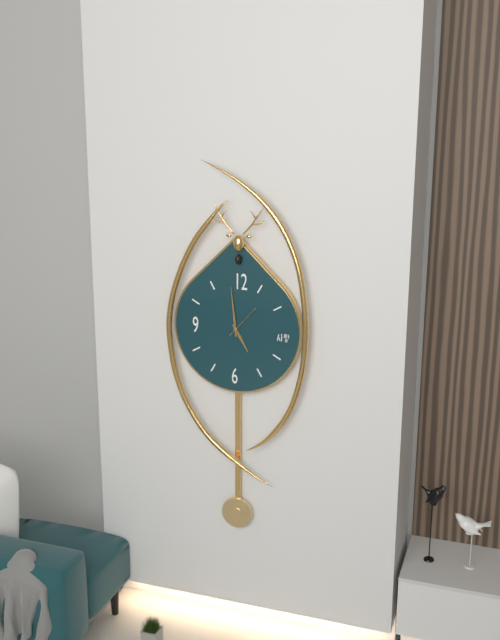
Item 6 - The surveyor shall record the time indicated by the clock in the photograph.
4:59
